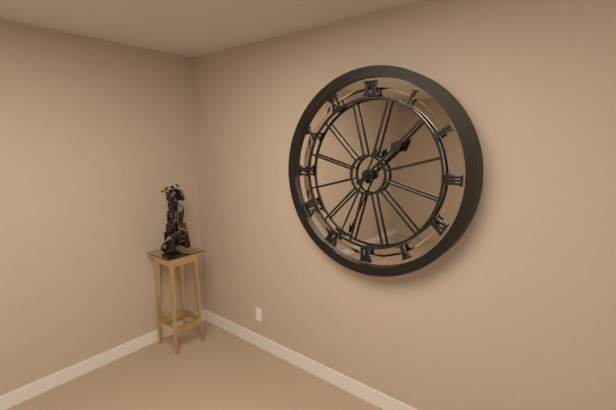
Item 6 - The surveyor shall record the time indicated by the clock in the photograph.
1:34
